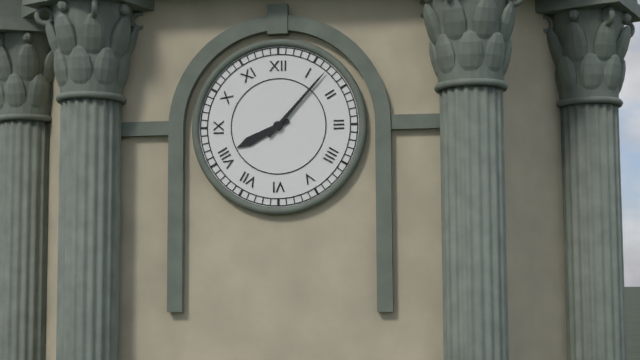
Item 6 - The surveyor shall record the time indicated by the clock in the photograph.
8:07
